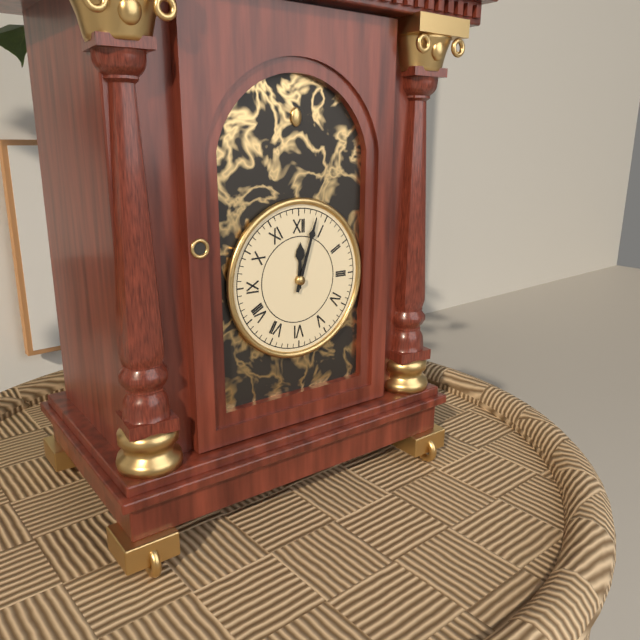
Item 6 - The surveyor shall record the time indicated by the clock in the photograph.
12:03
